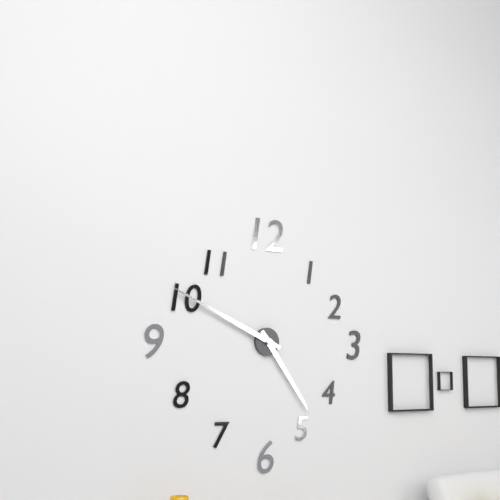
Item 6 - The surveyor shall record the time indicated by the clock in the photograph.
4:49
